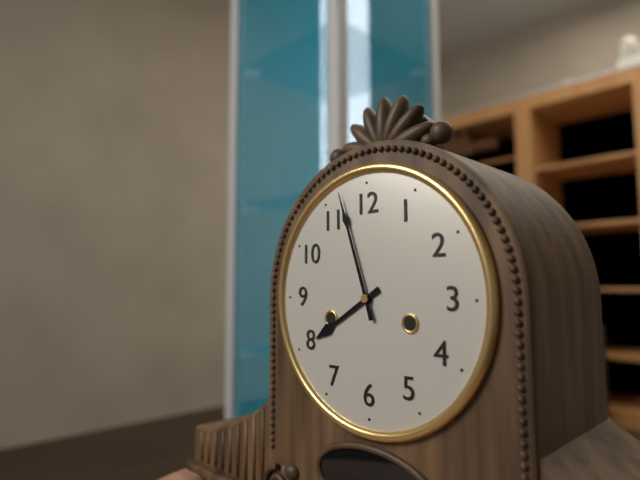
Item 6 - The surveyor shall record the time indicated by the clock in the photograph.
7:57
